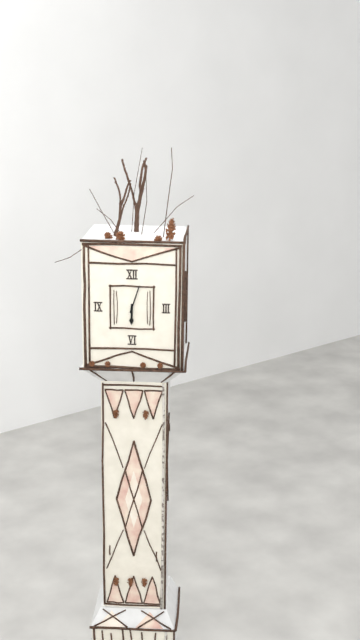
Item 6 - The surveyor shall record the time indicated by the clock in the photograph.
6:03
